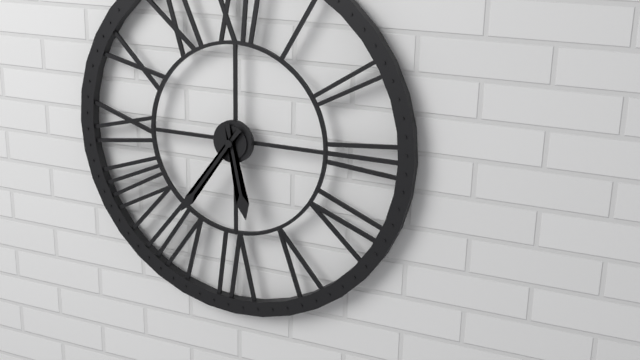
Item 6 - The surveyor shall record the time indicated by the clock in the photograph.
5:36
